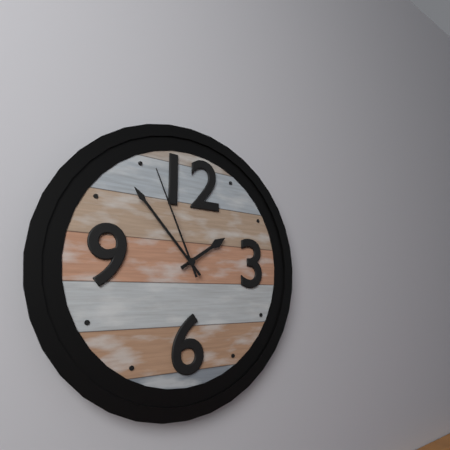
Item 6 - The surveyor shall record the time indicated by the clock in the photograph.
1:53:56
